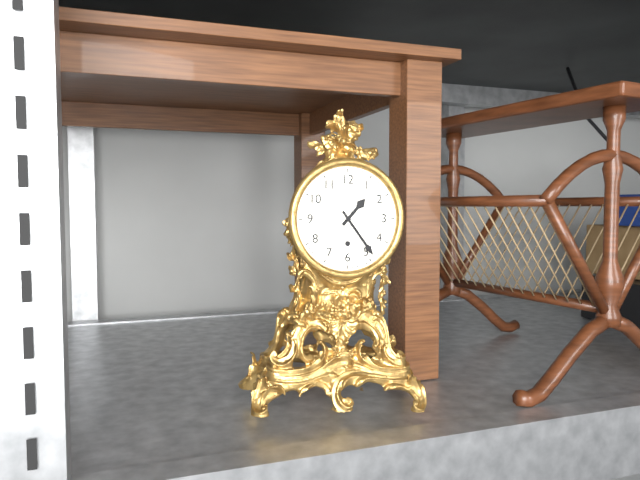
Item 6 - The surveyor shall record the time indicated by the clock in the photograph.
1:24
